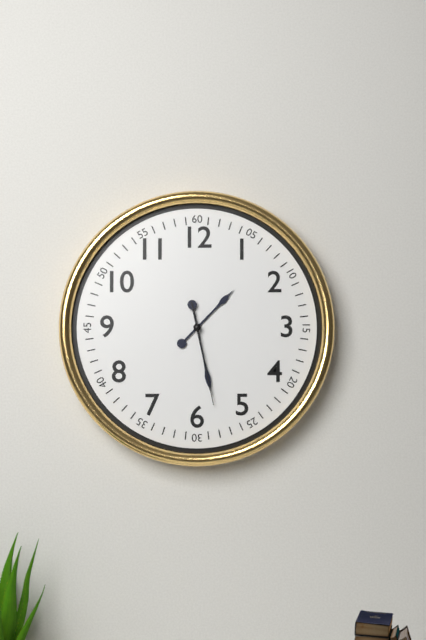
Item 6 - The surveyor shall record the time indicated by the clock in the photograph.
1:28:28
